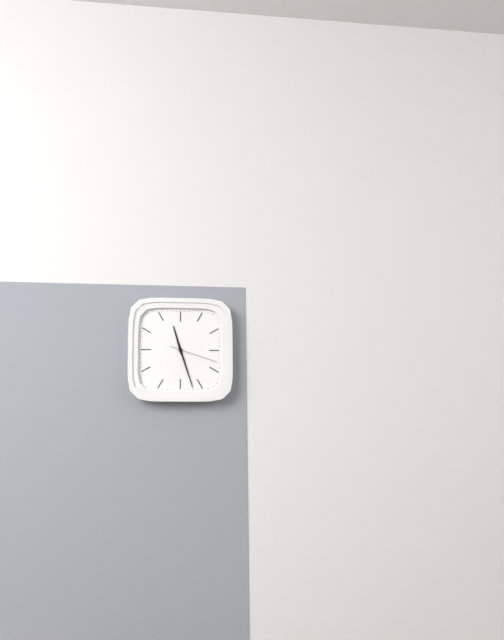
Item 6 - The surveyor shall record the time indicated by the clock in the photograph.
11:27
